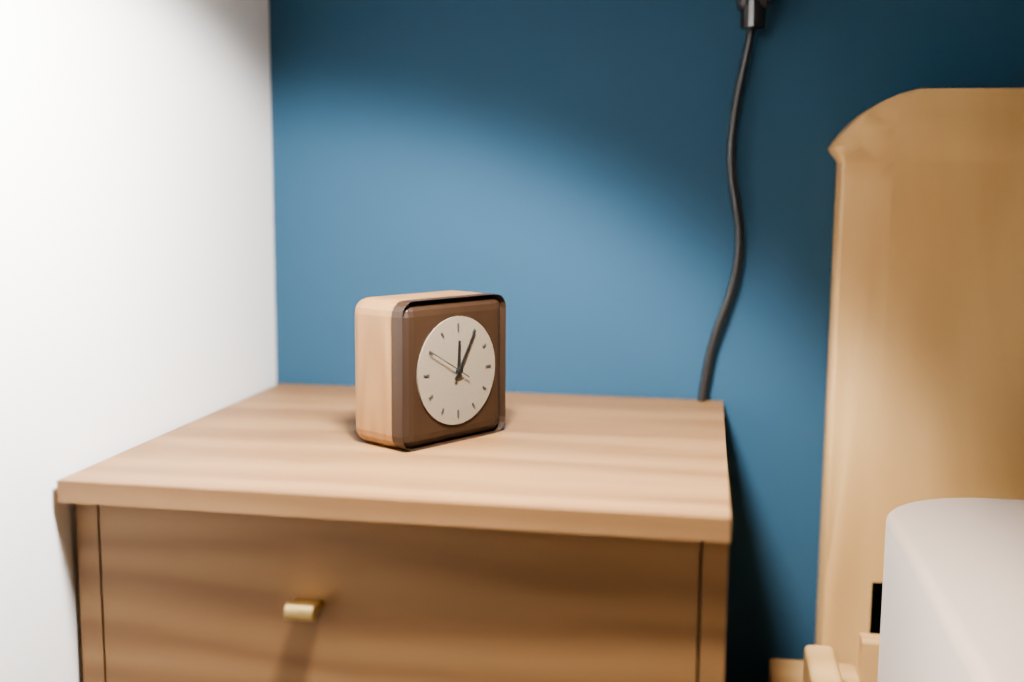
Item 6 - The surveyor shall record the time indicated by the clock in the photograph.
12:05
